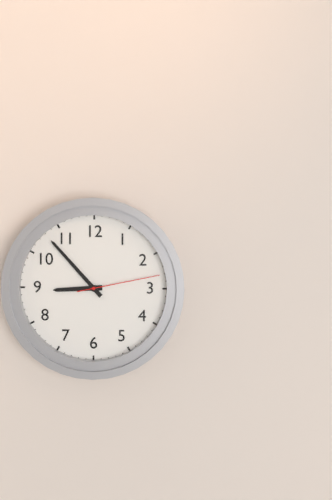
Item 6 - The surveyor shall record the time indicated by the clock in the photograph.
8:53:13
